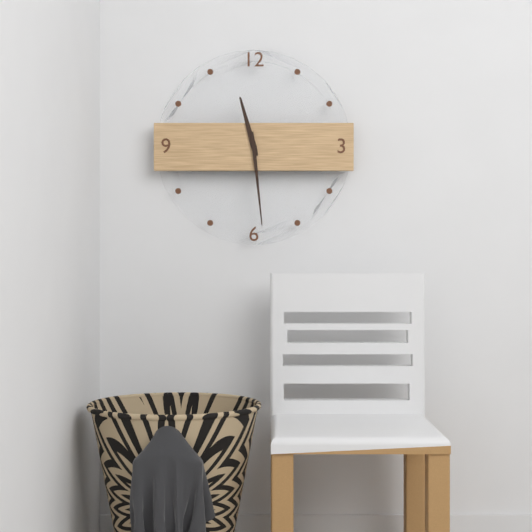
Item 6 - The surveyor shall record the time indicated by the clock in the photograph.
11:29
